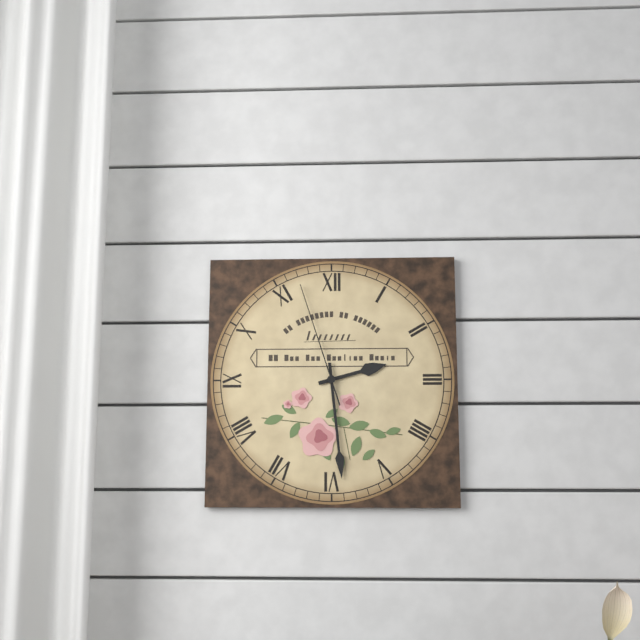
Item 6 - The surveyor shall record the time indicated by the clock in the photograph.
2:29:57
